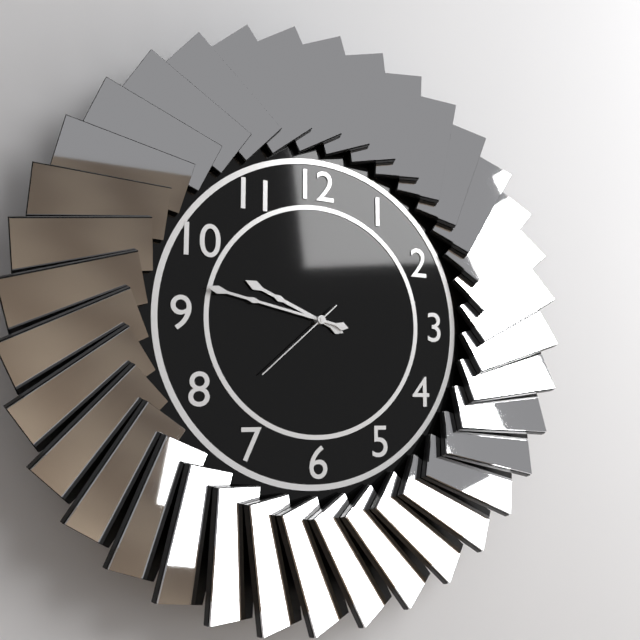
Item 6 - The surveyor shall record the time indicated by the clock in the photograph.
9:47:38
